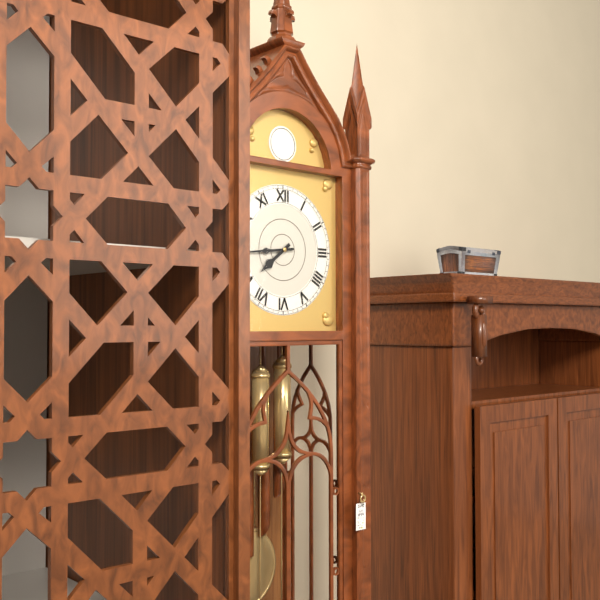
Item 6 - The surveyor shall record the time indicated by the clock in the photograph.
7:44
